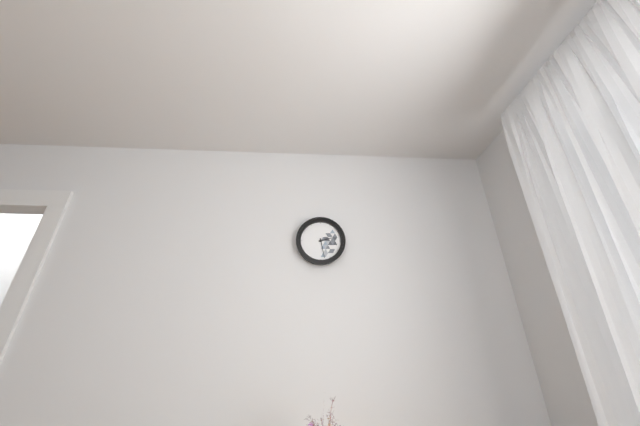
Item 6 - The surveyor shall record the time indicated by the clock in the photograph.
2:28
